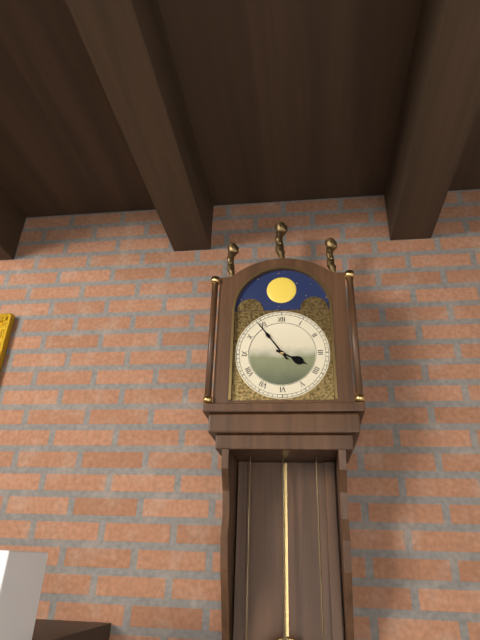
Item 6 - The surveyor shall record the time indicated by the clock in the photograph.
3:54
